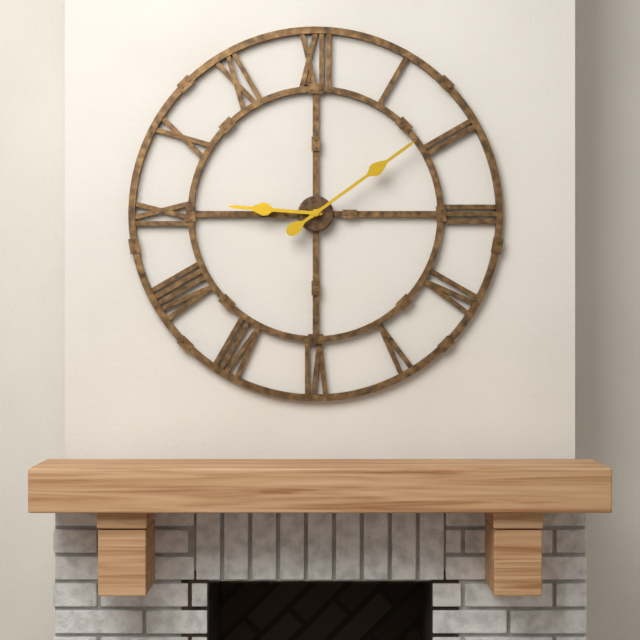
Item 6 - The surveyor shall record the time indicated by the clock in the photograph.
9:09
